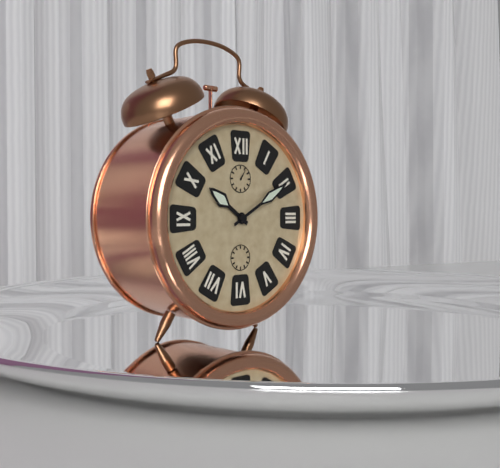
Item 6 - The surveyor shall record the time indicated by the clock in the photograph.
10:10
